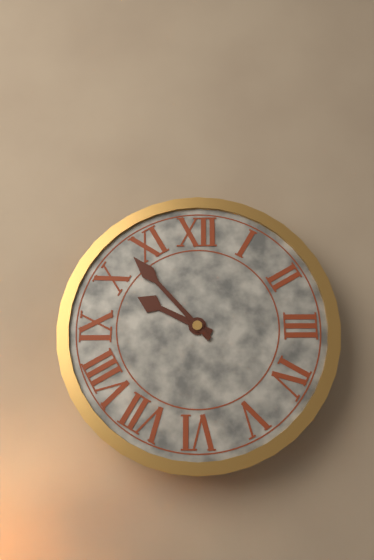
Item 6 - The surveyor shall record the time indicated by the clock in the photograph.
9:53
